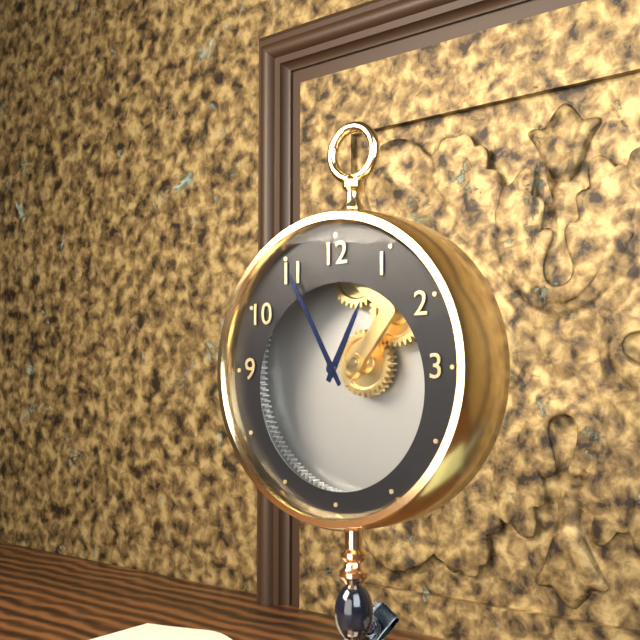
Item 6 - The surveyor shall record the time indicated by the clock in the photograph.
12:55
